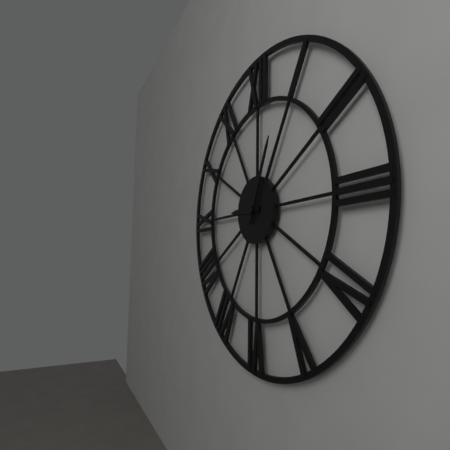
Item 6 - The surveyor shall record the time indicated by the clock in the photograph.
9:04
